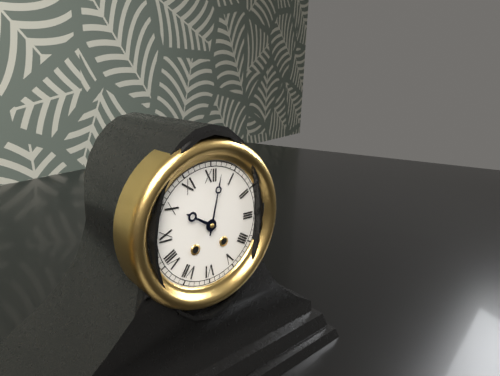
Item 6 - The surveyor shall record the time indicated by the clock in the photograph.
10:02
